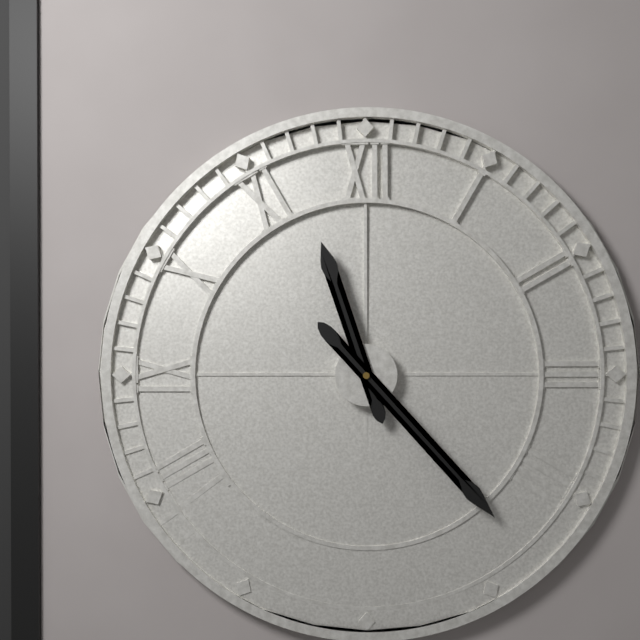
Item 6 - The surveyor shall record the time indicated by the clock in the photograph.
11:23
